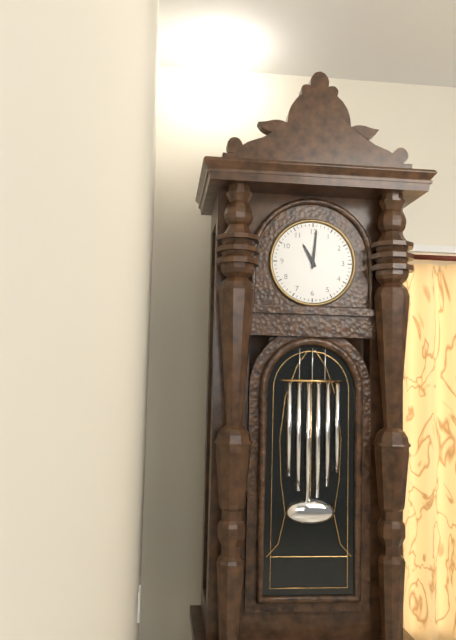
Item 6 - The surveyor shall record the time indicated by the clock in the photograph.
11:01
